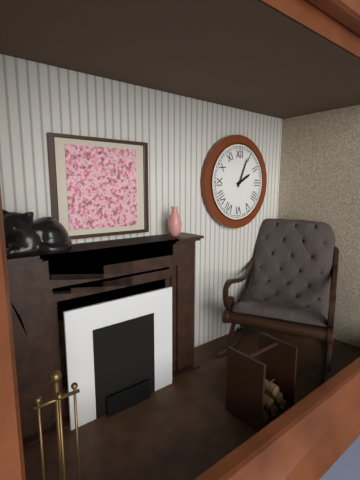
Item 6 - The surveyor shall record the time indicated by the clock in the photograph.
2:04
